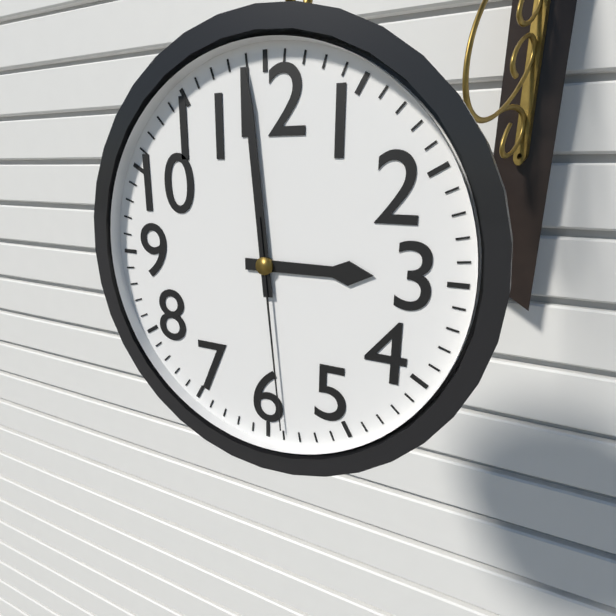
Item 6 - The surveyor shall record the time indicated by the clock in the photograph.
2:59:29
